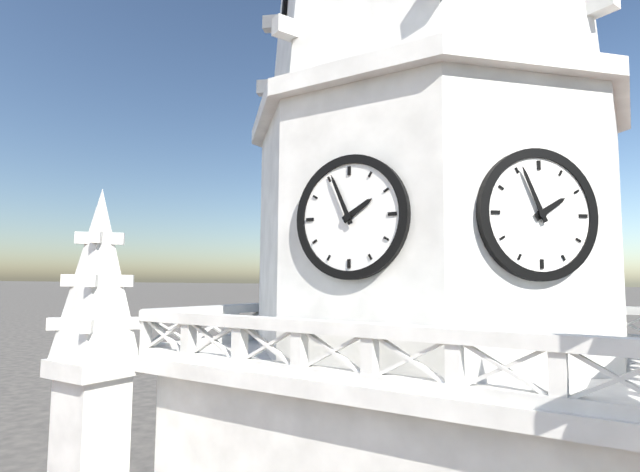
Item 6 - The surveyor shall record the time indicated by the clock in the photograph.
1:56
